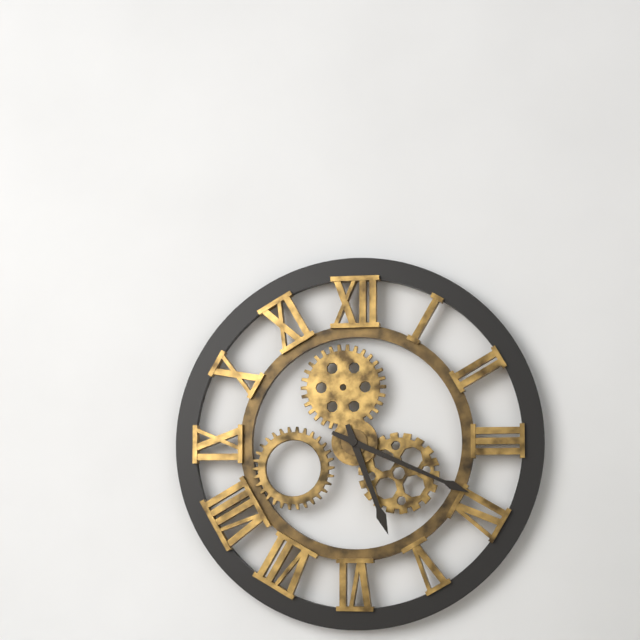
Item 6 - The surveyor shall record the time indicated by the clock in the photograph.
5:19
